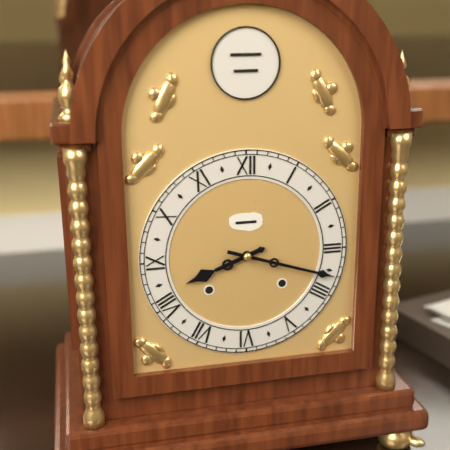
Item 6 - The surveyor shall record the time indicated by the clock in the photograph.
8:18
